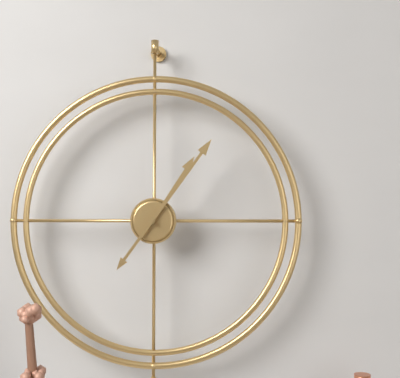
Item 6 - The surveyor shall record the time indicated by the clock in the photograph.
1:06
